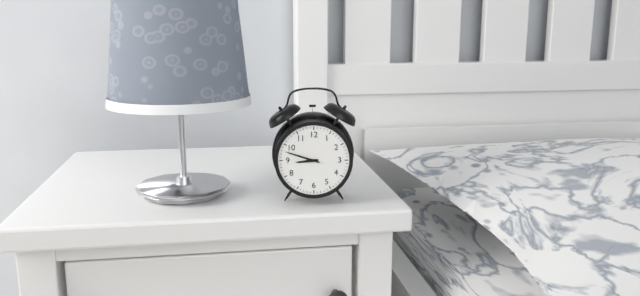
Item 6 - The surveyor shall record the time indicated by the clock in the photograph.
8:48
